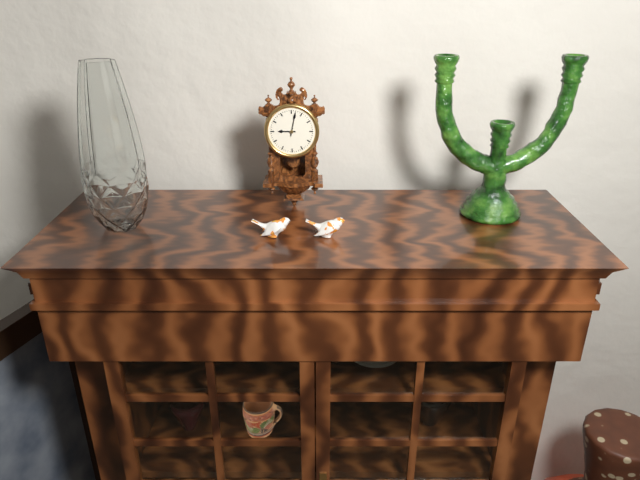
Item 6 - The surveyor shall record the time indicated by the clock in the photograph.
9:02
